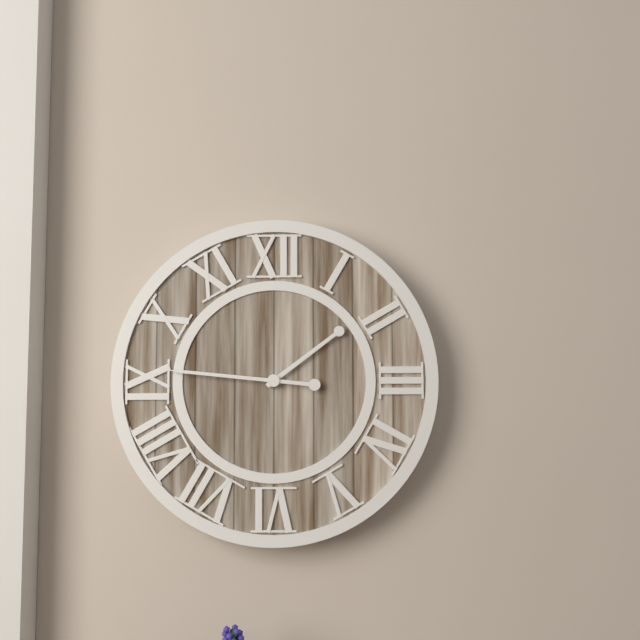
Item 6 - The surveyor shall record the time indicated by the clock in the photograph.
1:46
